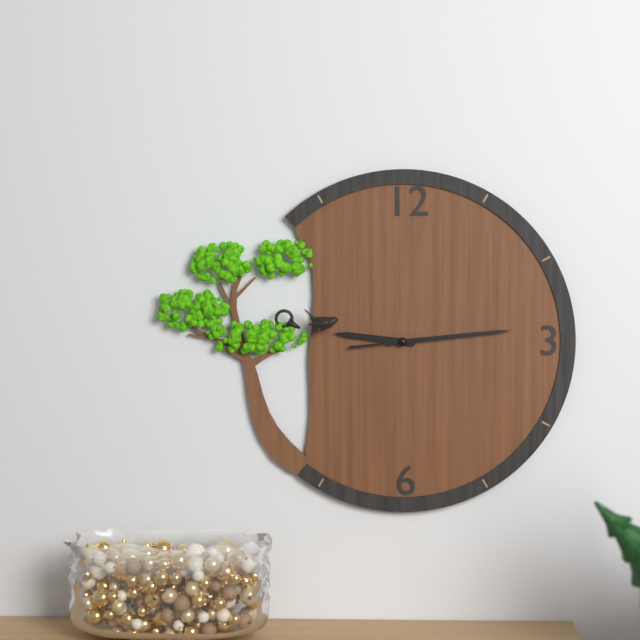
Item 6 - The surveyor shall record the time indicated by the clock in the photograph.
9:14:14
